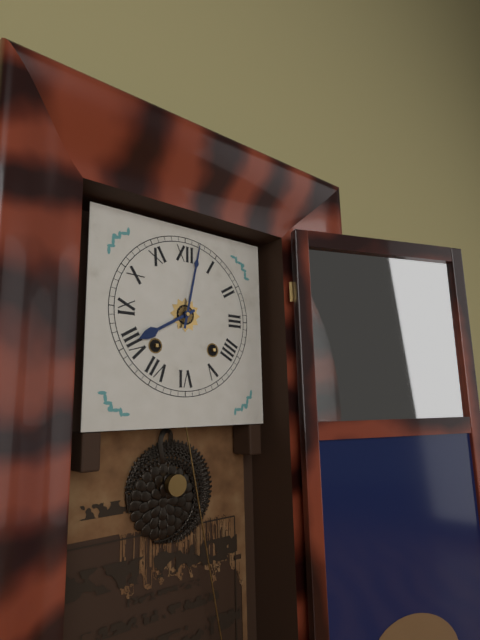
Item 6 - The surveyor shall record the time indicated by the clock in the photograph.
8:02
